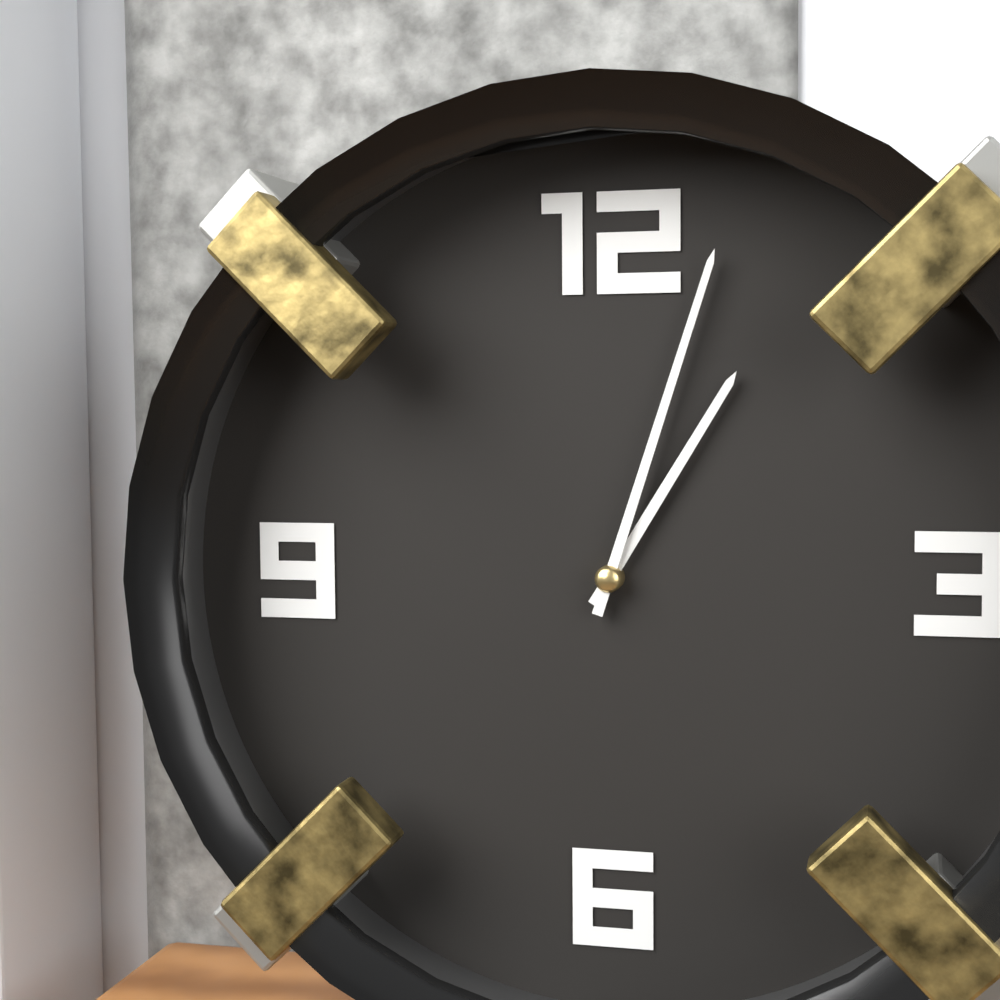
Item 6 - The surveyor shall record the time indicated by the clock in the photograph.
1:03
